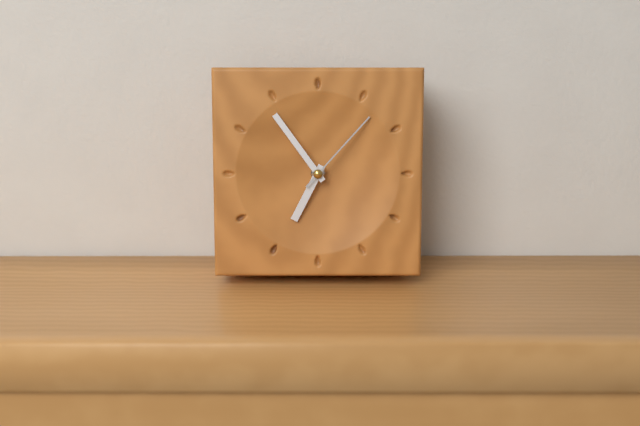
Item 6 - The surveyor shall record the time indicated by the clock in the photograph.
6:54:07
